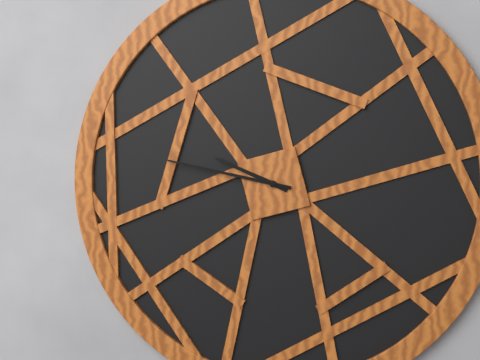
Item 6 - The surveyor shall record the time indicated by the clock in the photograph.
9:47
